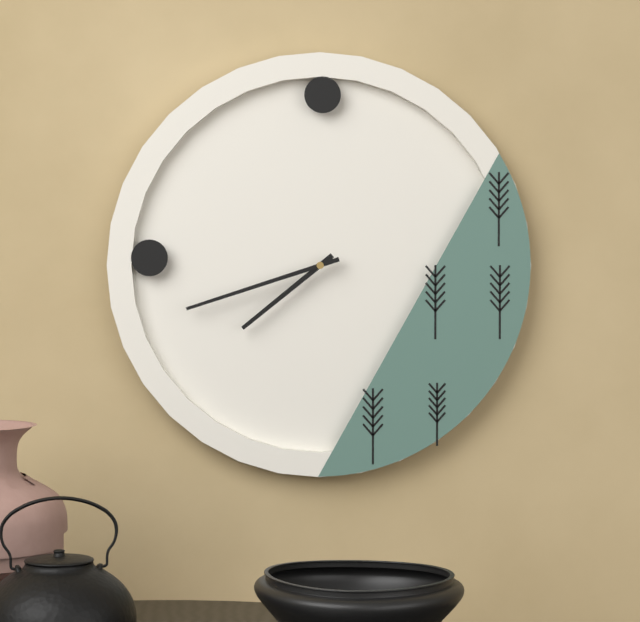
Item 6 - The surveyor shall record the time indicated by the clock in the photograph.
7:42
